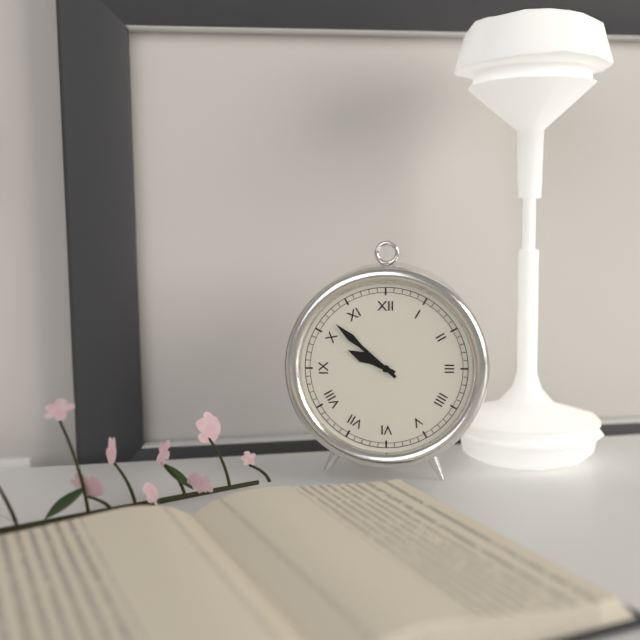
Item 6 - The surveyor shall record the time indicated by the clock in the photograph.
9:52
